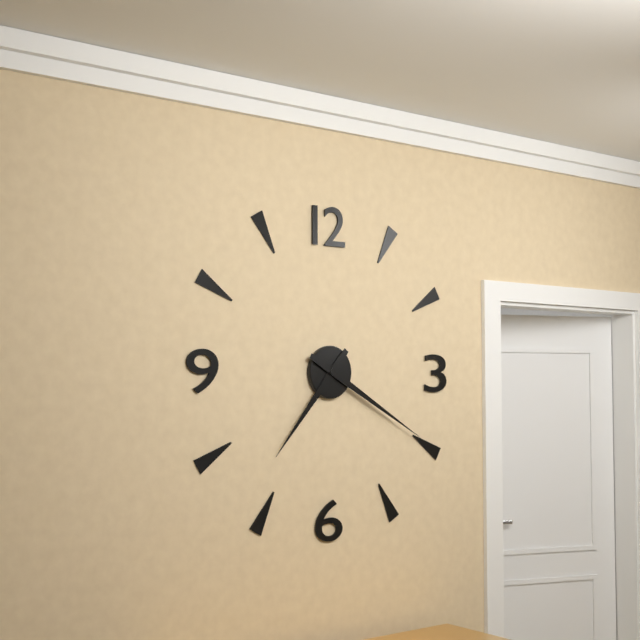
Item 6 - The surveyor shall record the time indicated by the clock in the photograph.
7:20
